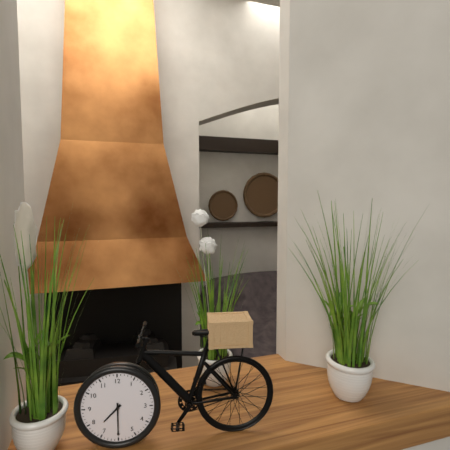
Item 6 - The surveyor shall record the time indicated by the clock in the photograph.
7:30
